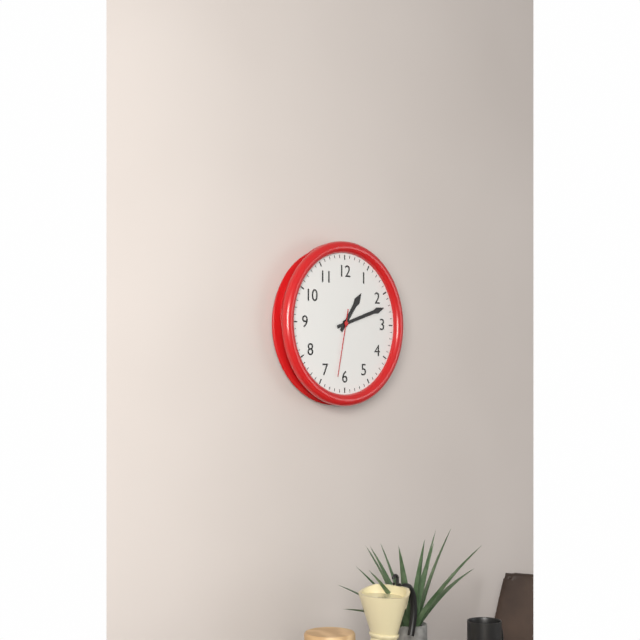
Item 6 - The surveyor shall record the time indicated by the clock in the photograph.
1:12:32
